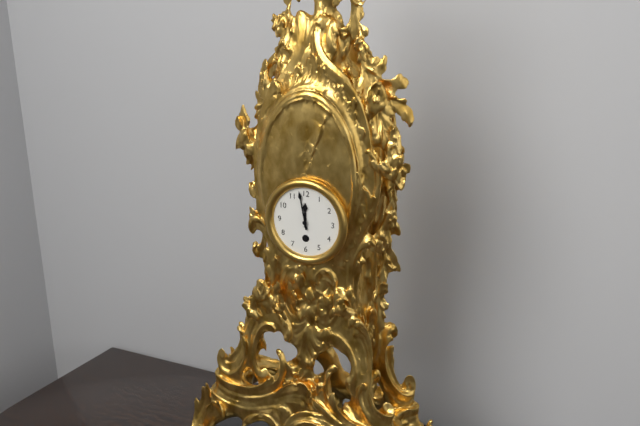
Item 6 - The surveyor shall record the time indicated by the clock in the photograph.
11:58
